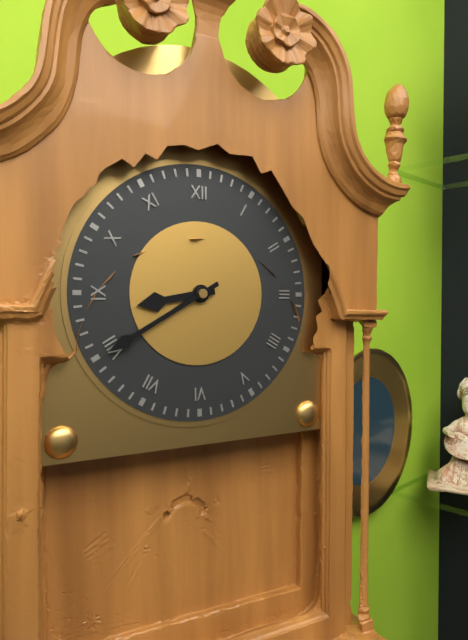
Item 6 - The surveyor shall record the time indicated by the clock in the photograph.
8:40
